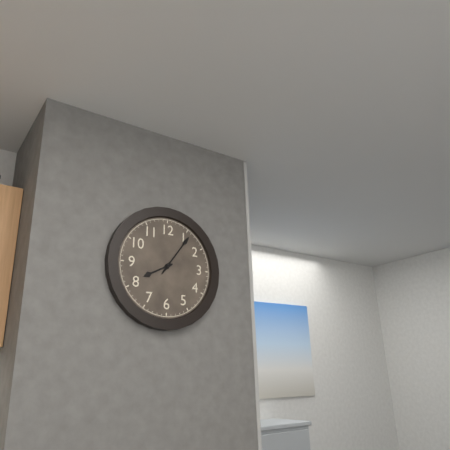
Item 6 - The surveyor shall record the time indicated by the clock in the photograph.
8:06
